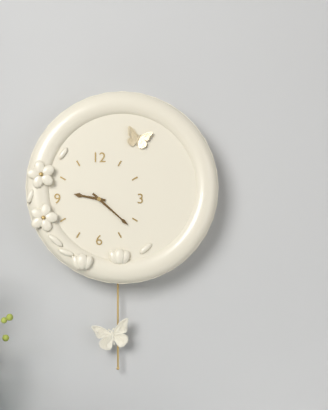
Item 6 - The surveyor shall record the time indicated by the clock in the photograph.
9:22
